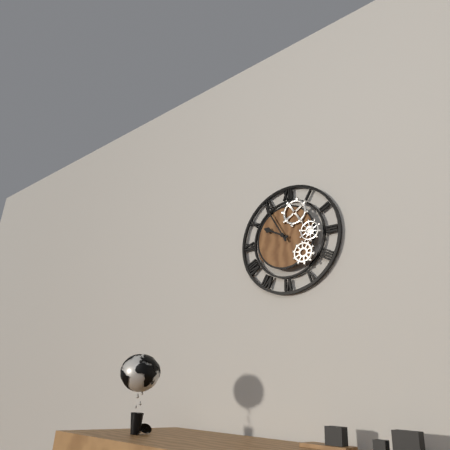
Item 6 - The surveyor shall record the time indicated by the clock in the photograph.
9:55
